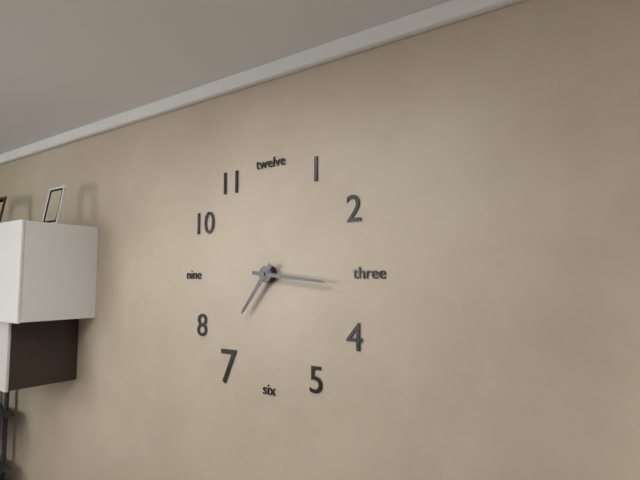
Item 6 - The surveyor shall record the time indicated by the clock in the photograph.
7:16
